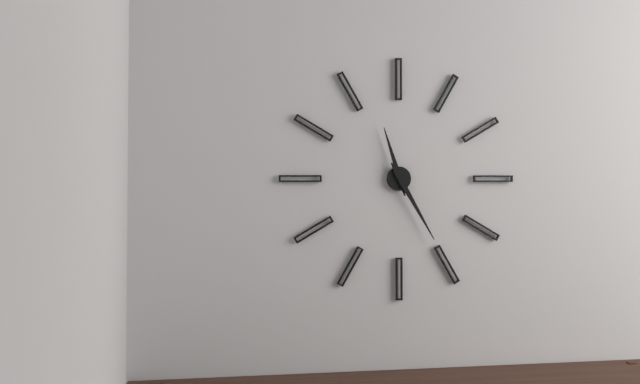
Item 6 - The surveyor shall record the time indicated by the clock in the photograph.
11:25
